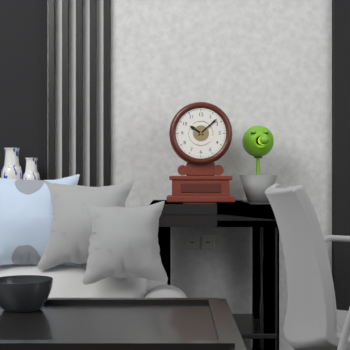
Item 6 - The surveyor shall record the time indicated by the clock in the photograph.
10:08
